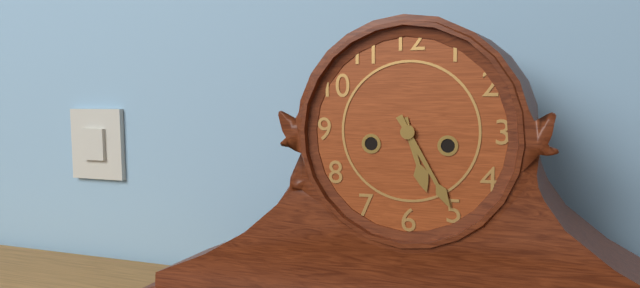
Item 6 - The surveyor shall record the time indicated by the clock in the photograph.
5:25
